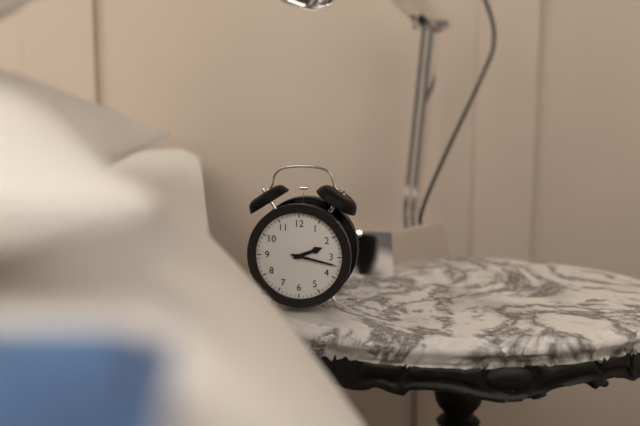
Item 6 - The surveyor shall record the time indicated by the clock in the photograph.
2:17
